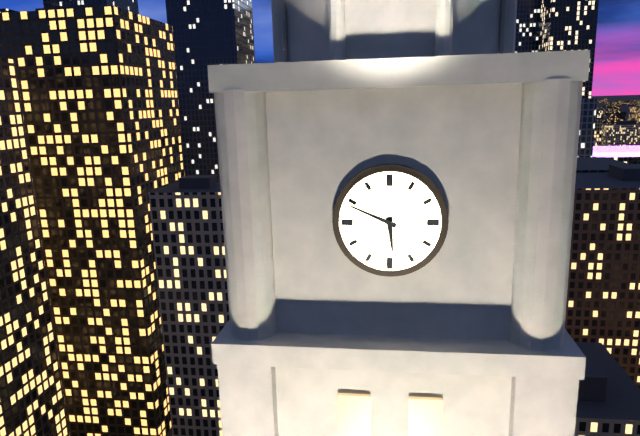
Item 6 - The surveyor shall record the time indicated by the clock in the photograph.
5:49
